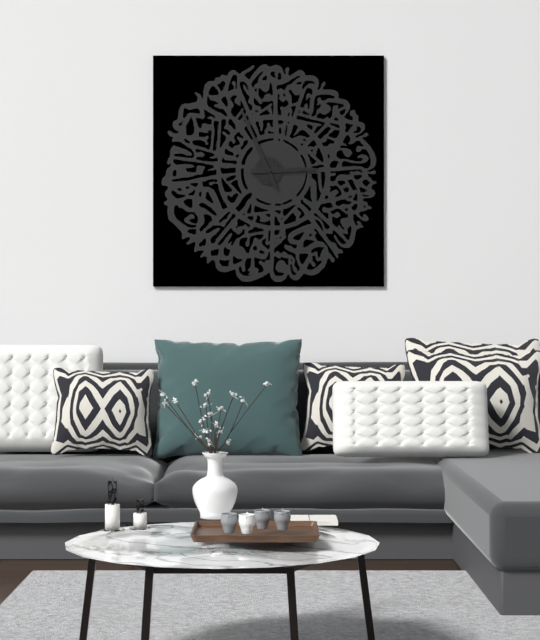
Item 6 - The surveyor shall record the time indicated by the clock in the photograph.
2:56
